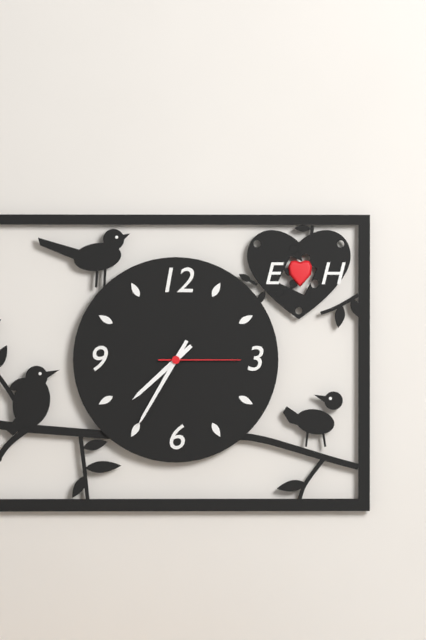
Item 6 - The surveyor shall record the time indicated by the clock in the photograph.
7:35:15
